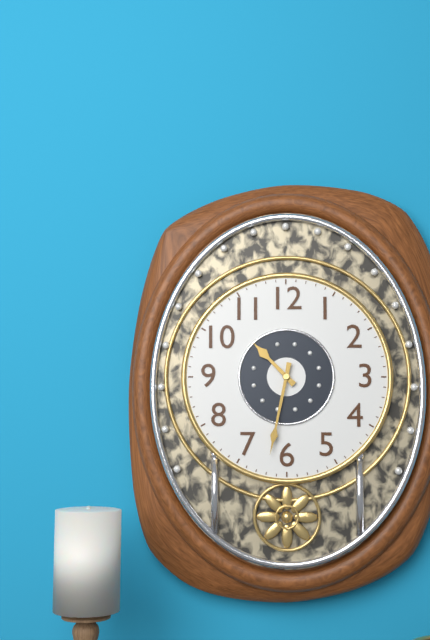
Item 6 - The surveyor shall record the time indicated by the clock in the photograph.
10:32
